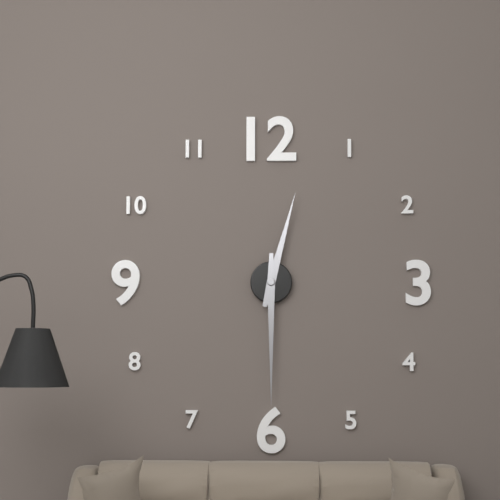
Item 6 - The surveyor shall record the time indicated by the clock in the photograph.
12:30
